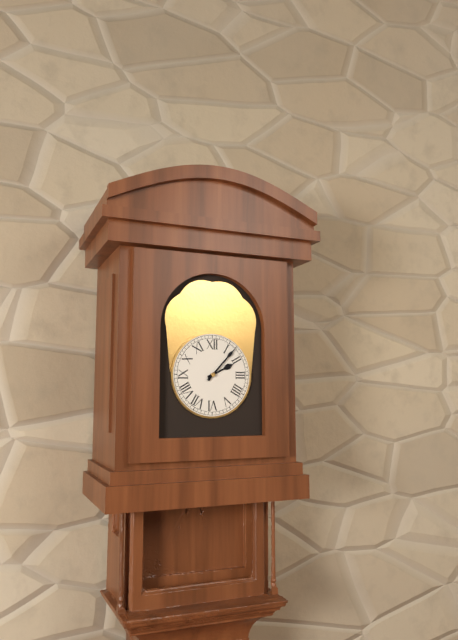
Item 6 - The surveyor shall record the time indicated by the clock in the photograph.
2:07
